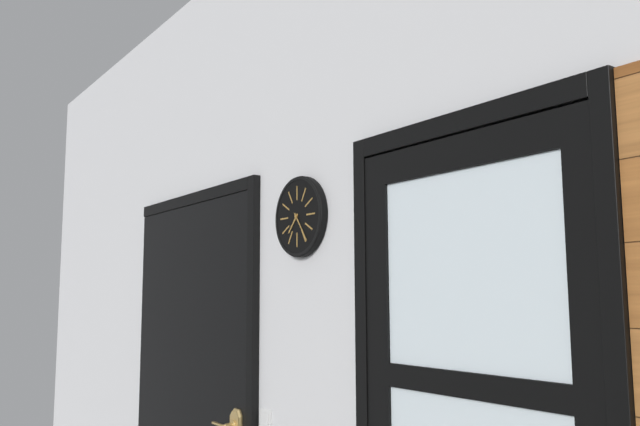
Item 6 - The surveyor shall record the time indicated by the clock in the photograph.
7:24
